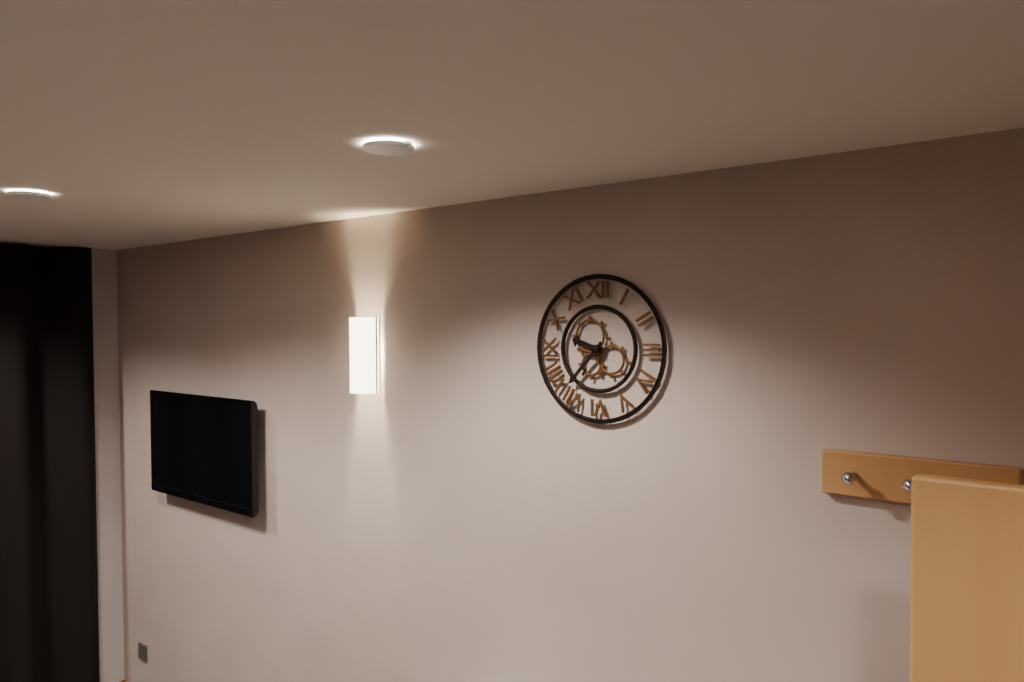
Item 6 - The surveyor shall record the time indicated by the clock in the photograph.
9:37
